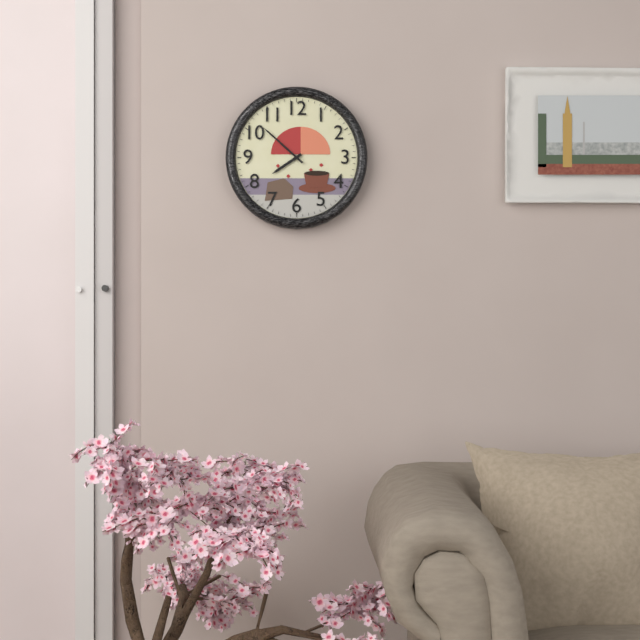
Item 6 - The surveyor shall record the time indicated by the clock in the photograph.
7:52
